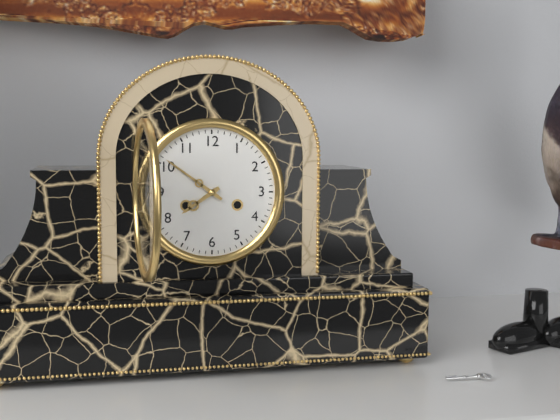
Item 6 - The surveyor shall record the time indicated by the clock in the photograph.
7:51
